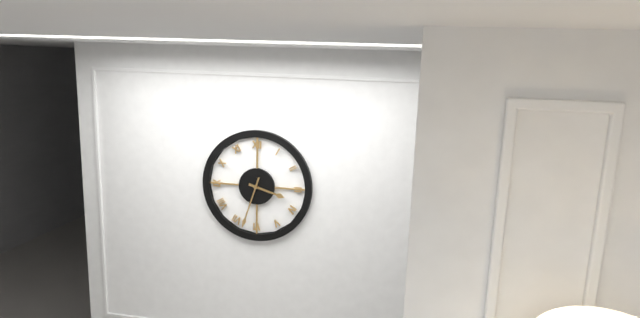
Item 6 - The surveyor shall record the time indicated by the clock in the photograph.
3:33
